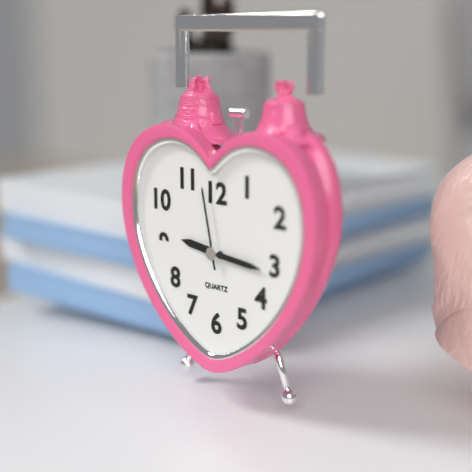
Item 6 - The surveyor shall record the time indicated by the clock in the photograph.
9:16:58
